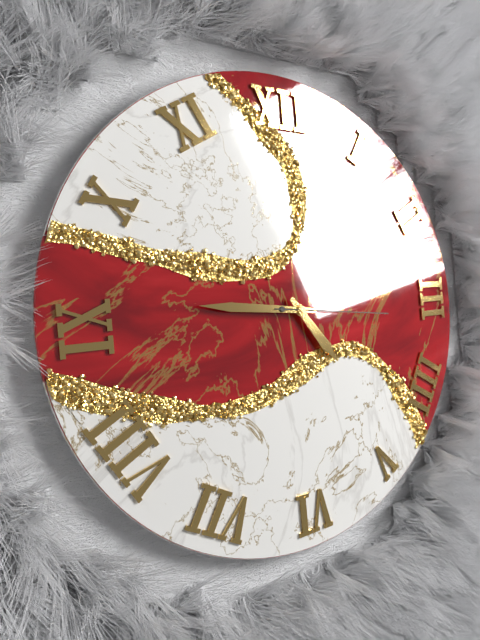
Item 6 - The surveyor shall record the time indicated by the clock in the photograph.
4:46:16
